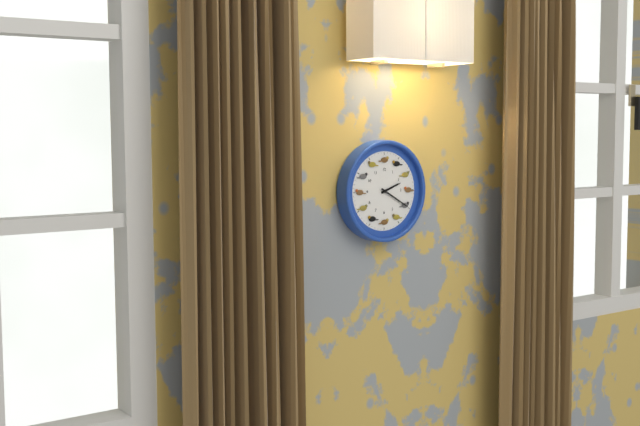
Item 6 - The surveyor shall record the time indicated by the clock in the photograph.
2:20
